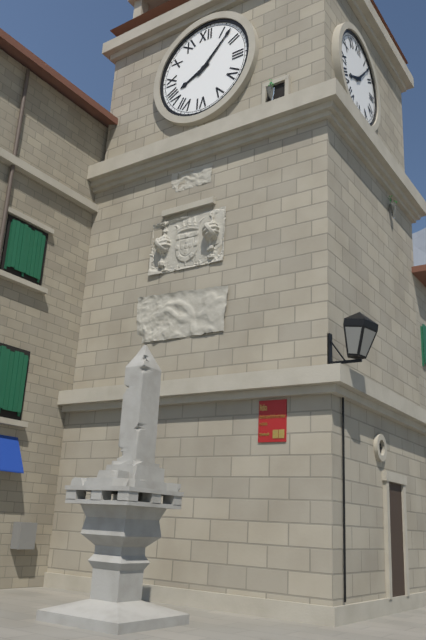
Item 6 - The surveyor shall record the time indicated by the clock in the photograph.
8:07
